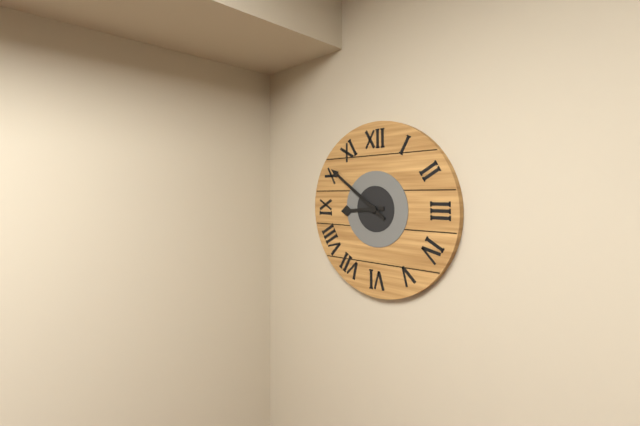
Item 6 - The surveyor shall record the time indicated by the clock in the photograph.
8:51
